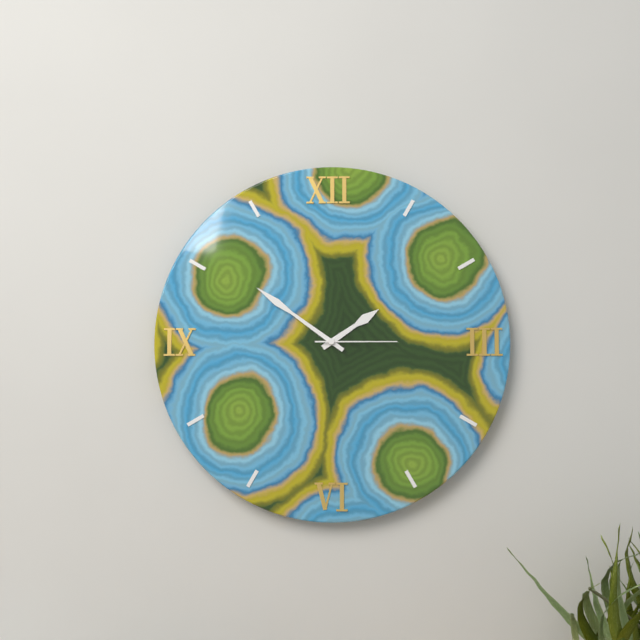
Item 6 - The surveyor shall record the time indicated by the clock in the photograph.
1:51:15
